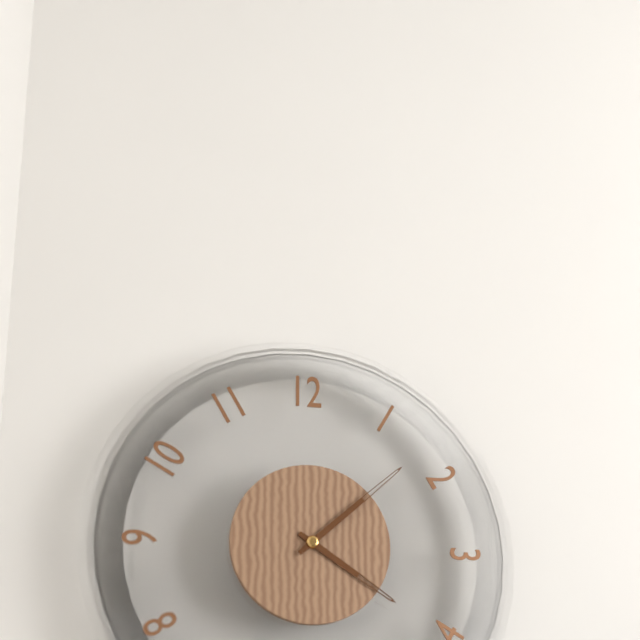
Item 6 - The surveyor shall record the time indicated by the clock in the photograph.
4:08
